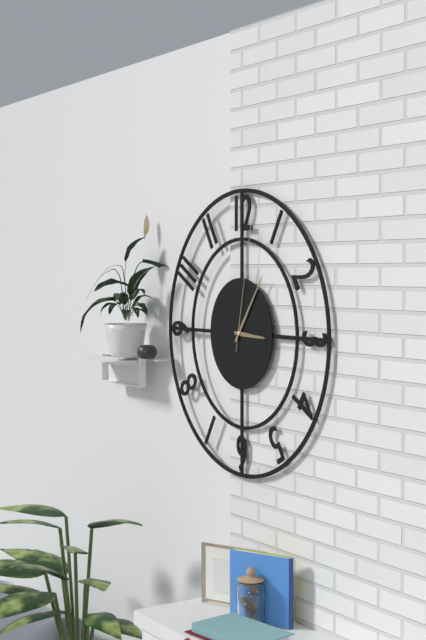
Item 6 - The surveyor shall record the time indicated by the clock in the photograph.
3:06:02
